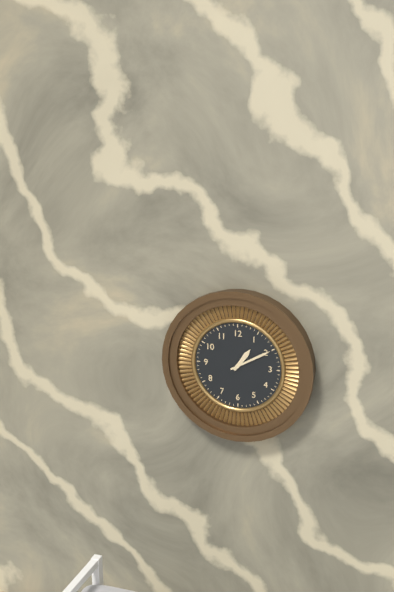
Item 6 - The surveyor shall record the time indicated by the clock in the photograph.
1:10
